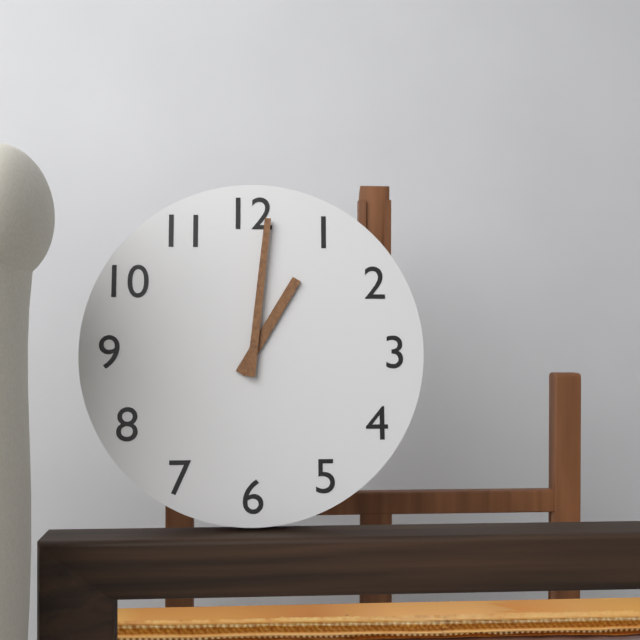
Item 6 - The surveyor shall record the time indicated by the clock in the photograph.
1:01
